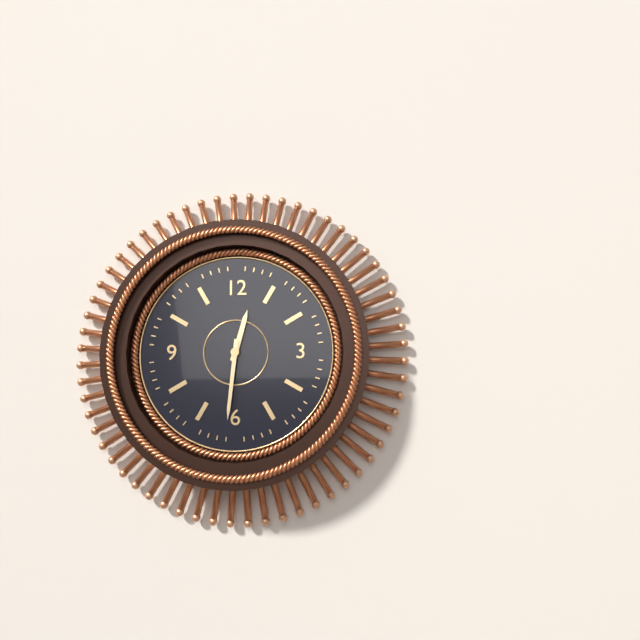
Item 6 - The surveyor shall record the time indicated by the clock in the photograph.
12:31
